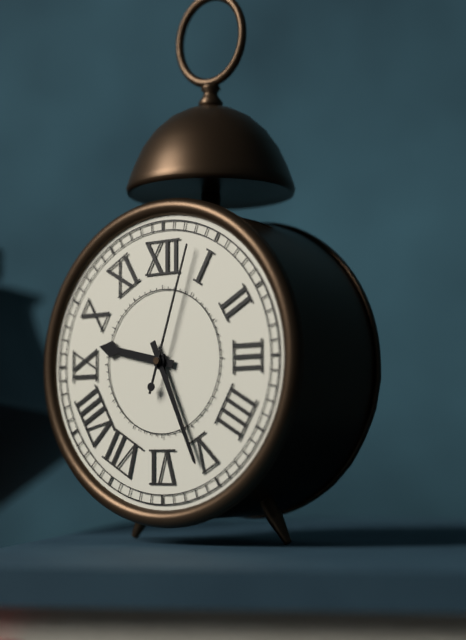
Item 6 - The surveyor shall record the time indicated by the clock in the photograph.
9:26:03
